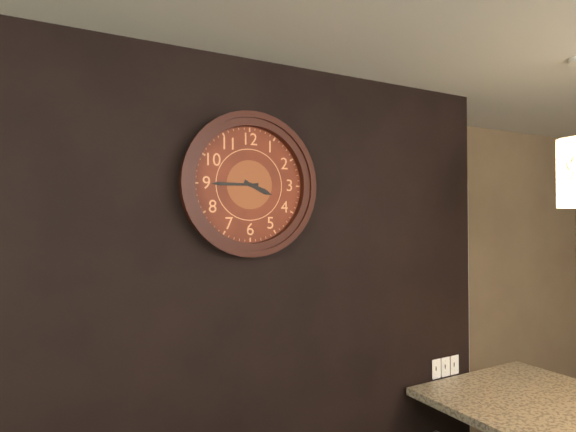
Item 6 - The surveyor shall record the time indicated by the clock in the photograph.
3:45
